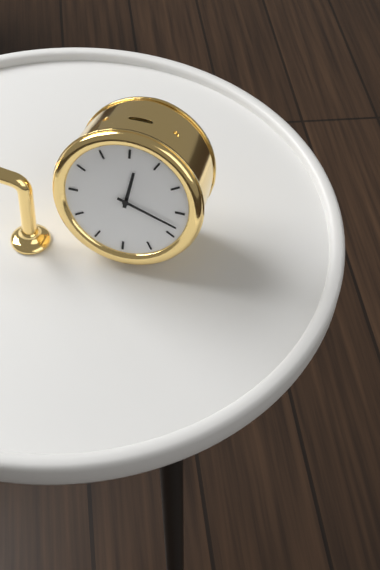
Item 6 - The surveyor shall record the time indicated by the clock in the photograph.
12:18
